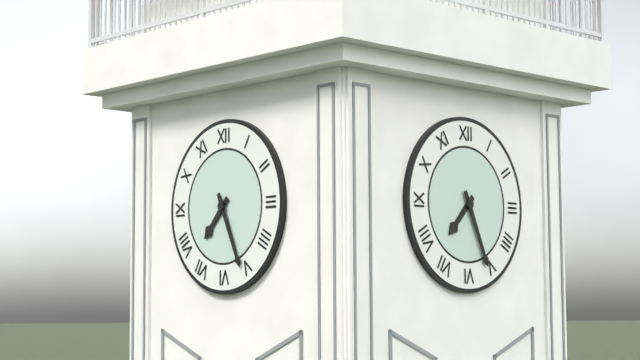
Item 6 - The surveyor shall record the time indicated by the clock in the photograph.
7:26
